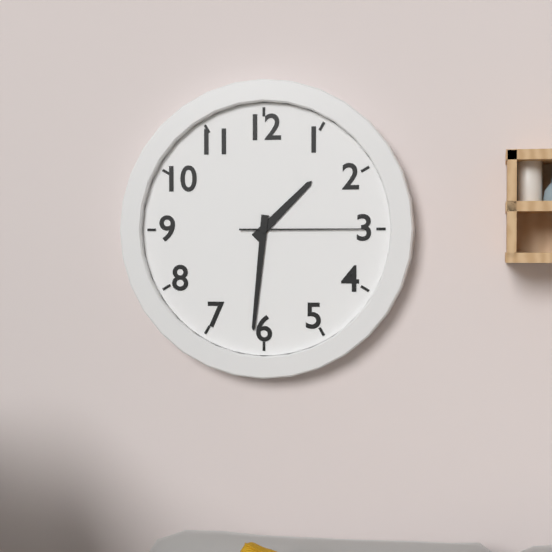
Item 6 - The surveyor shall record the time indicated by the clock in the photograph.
1:31:15
